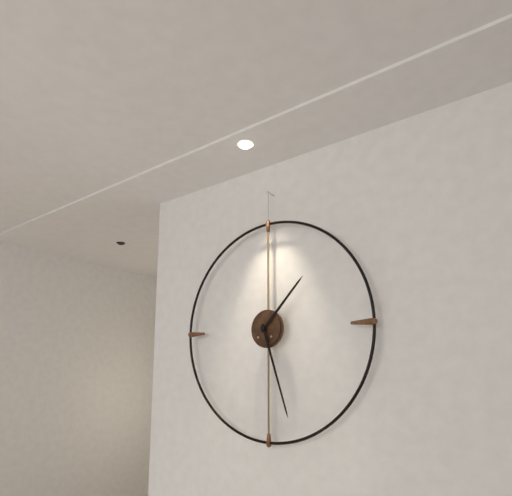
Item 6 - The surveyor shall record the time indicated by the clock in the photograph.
1:27
